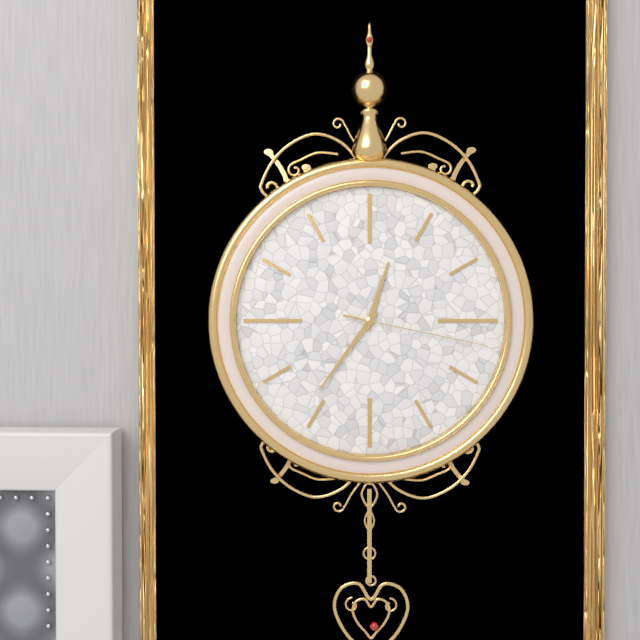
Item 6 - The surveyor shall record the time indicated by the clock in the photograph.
12:36:17
